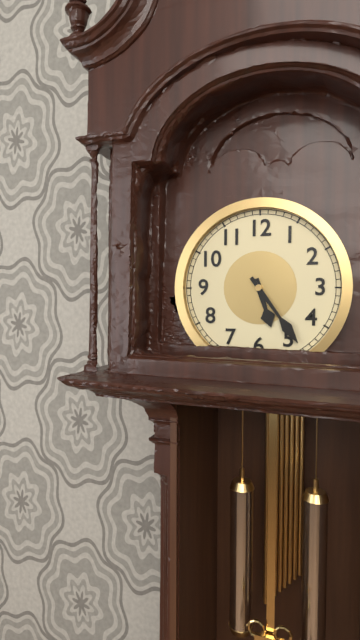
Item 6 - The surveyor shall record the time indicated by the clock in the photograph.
5:24
